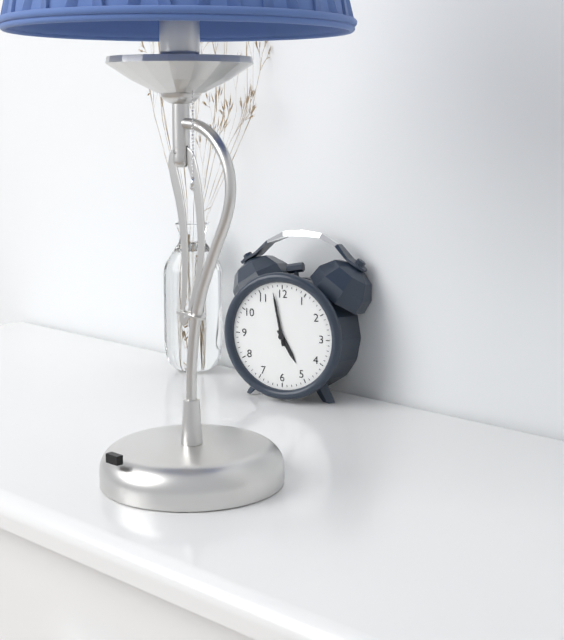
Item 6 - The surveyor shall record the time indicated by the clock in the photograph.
4:58
